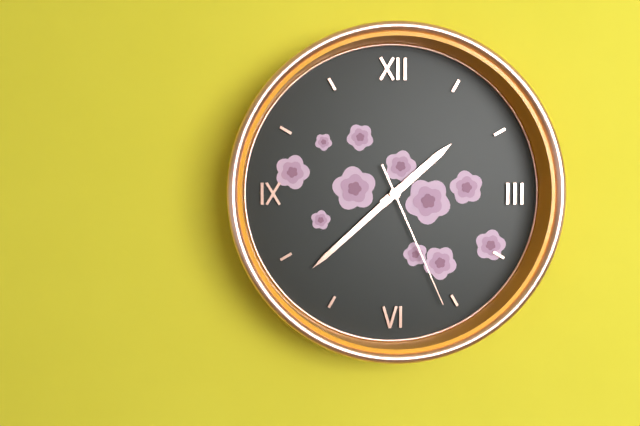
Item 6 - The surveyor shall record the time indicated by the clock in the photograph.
1:38:26
